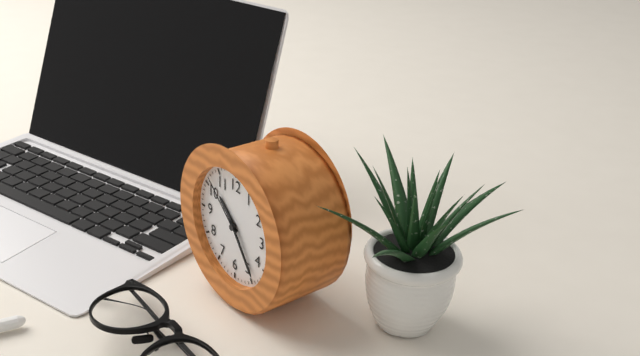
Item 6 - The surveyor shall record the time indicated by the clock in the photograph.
10:24:52
